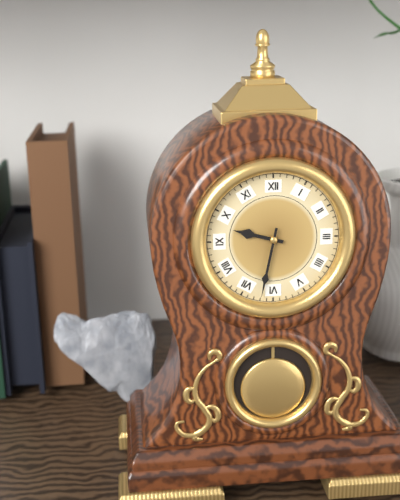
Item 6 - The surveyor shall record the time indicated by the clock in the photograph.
9:32
